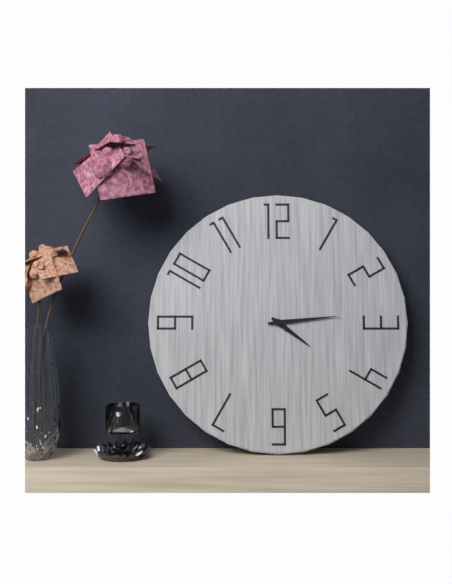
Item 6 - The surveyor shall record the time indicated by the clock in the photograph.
4:14
